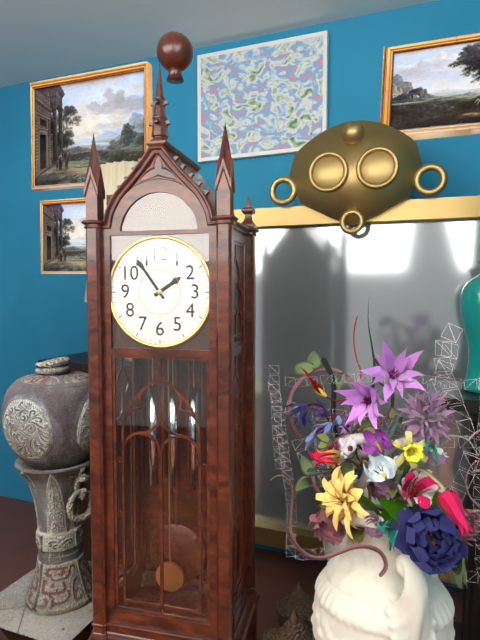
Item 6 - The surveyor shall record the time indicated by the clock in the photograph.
1:54
